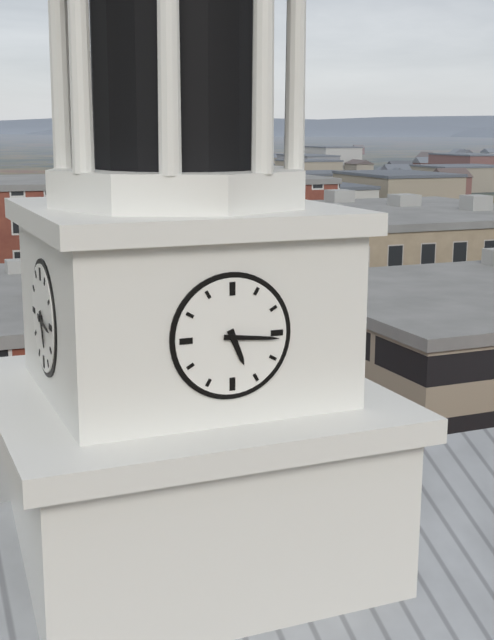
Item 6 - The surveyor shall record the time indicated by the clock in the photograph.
5:16
